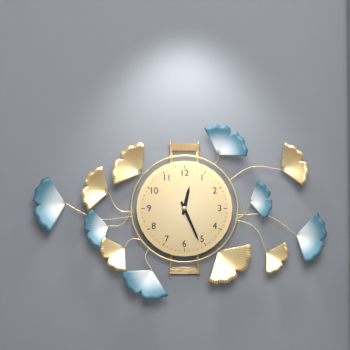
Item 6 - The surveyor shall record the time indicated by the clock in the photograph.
12:26
